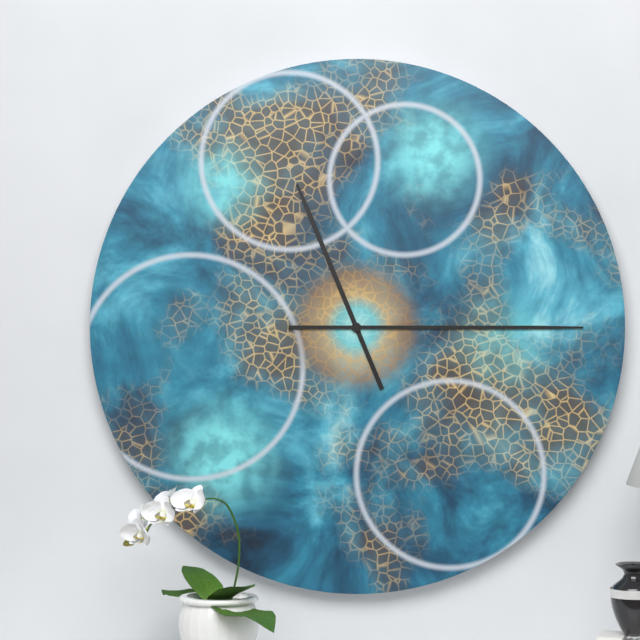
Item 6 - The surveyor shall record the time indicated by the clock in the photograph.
11:15
